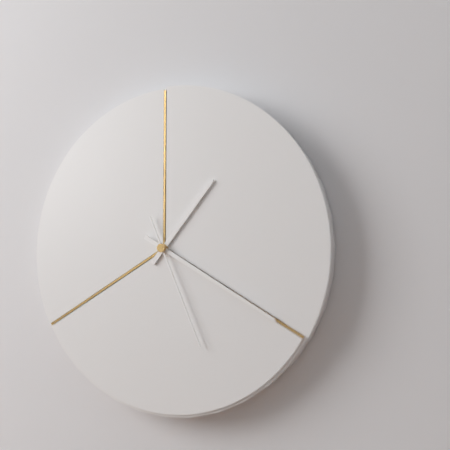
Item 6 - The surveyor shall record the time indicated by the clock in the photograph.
1:20:26
